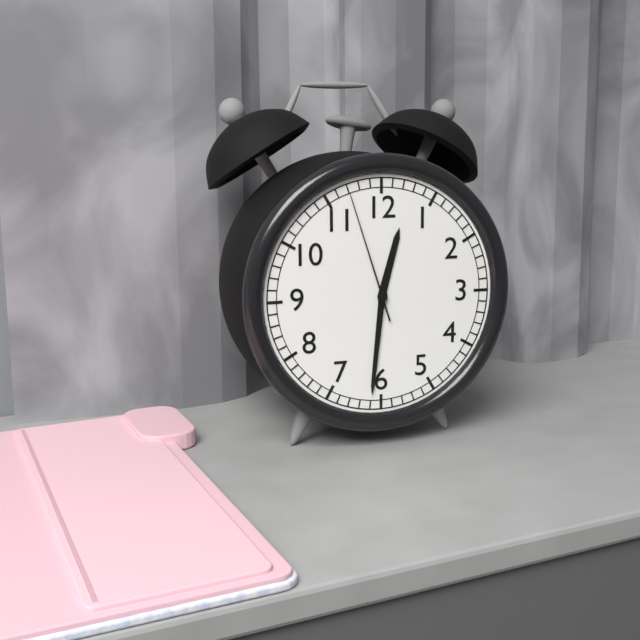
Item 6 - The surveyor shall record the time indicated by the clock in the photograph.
12:31:57
